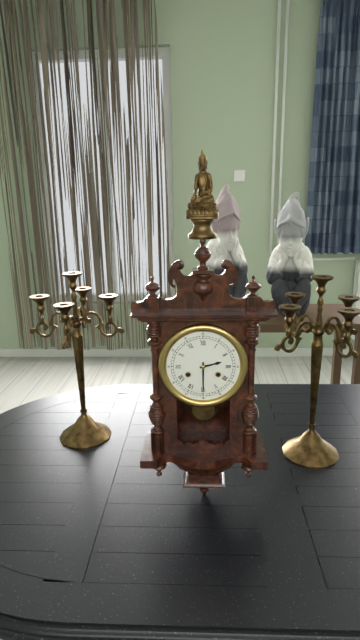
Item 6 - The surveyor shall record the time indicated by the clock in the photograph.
2:30
